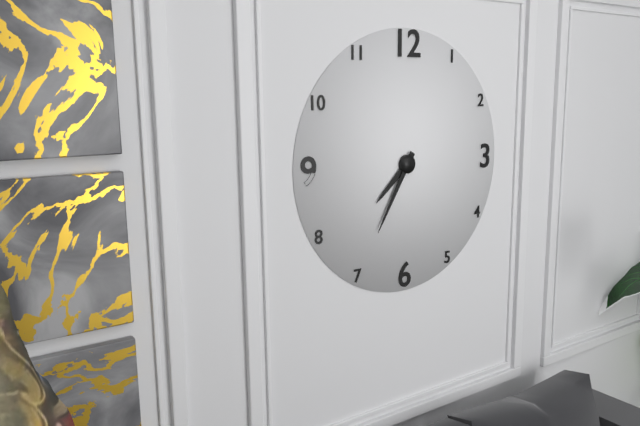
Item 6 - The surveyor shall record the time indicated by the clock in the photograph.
7:35
